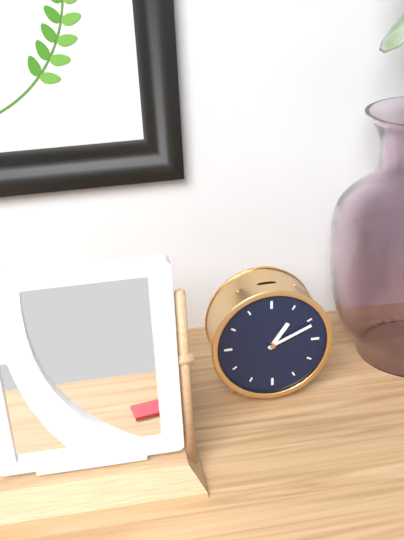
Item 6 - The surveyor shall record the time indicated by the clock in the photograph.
1:11
